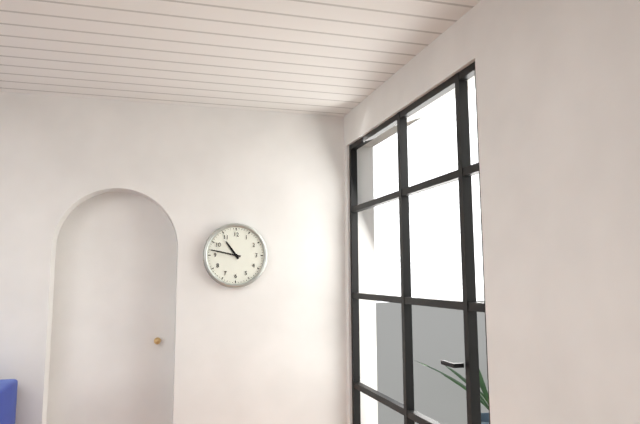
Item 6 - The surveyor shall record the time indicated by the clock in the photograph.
10:47
